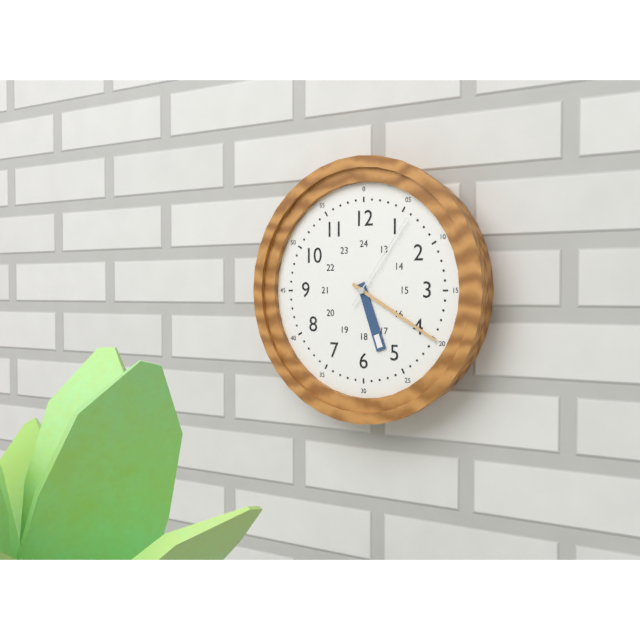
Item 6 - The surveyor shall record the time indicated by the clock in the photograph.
5:20:06
